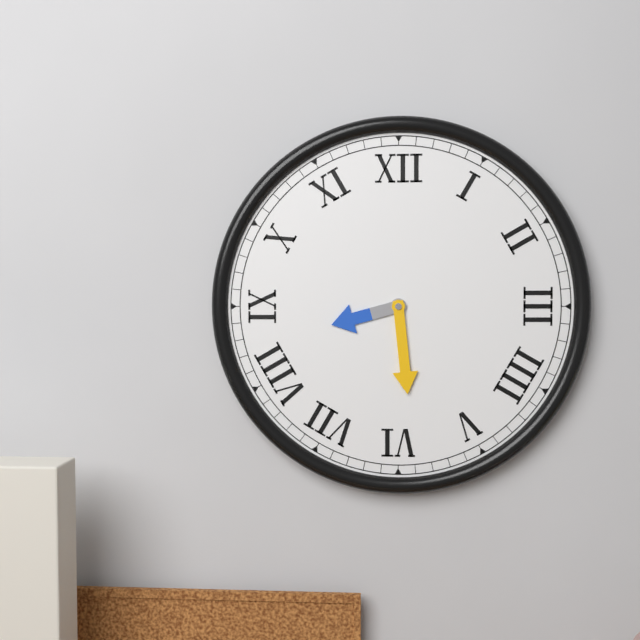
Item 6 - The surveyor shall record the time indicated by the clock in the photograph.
8:29
